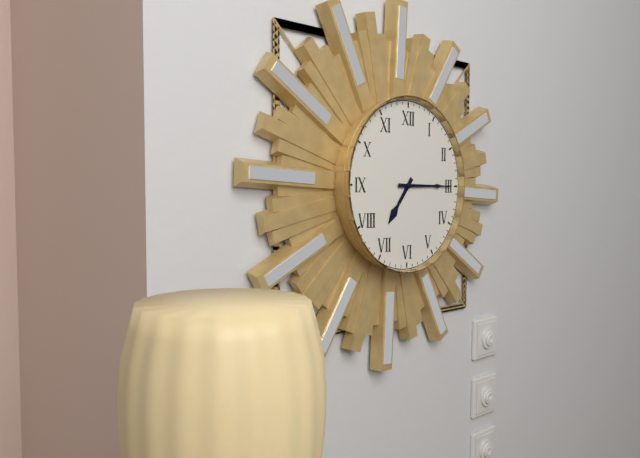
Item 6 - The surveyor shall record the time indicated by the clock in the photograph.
7:15
